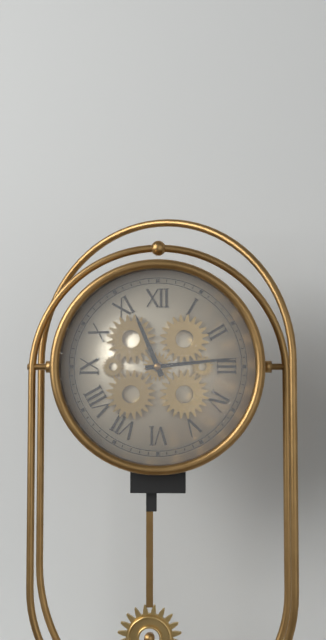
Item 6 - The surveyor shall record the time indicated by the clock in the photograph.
11:14
